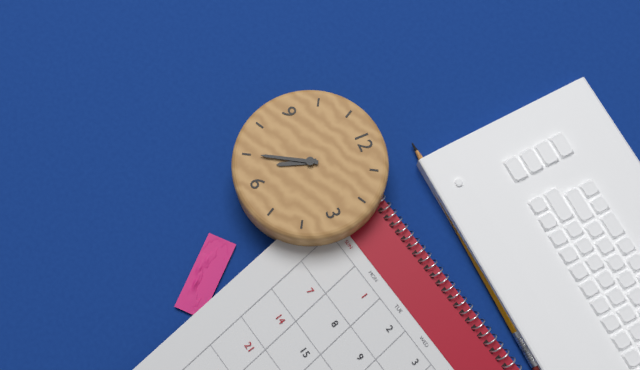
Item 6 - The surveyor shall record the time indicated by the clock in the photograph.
6:35
